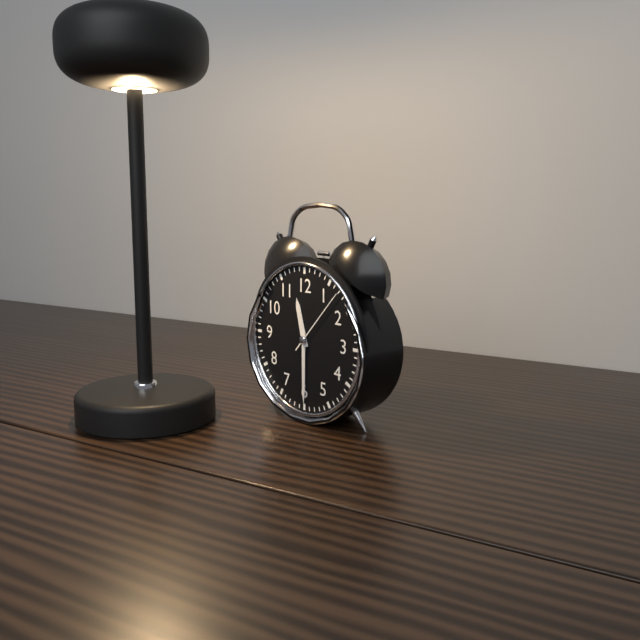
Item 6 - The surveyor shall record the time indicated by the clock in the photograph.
11:30:07
